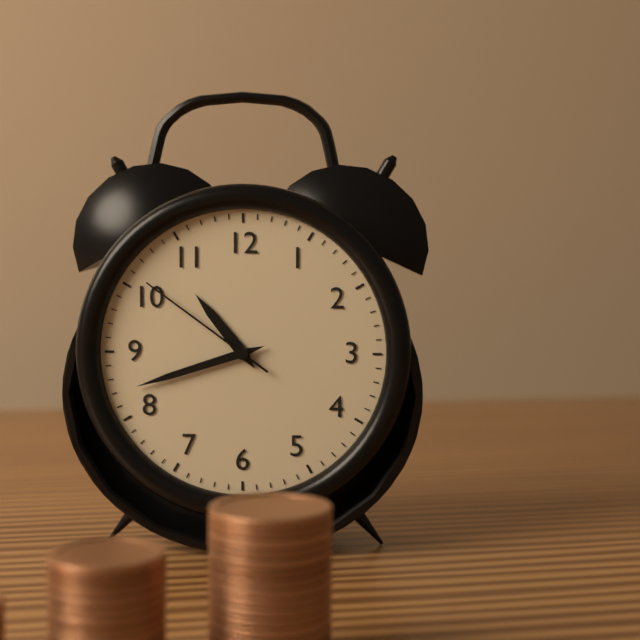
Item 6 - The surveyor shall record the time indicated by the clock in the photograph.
10:42:51
